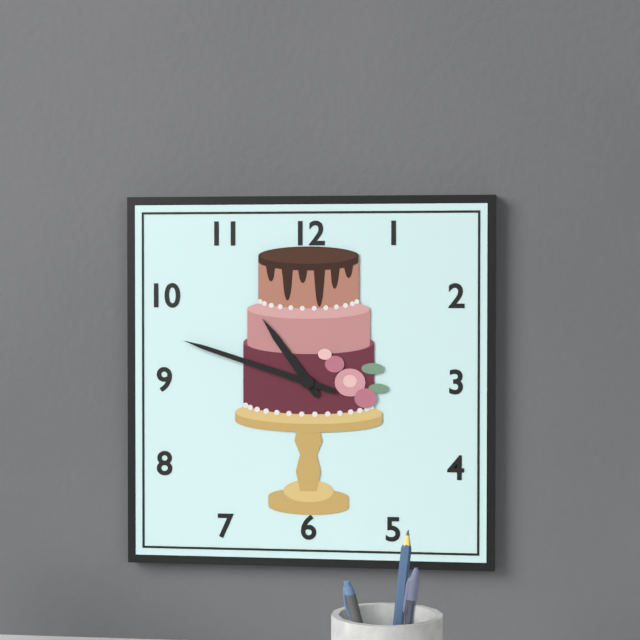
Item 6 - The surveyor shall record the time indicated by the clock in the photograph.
10:48
